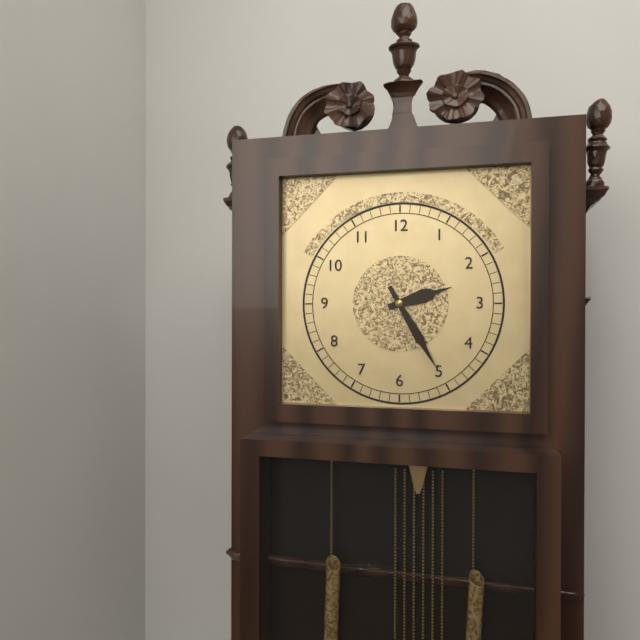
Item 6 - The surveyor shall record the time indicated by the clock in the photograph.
2:25
